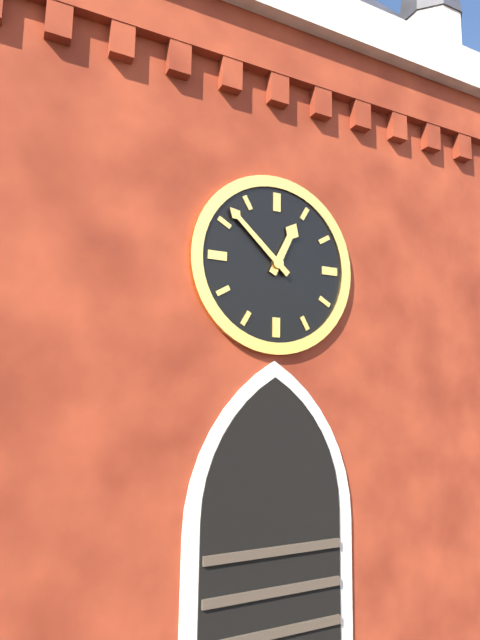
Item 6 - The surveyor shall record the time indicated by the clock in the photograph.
12:52
